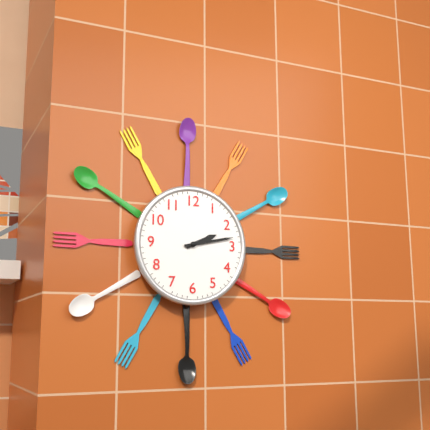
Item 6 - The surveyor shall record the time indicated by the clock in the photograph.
2:13
